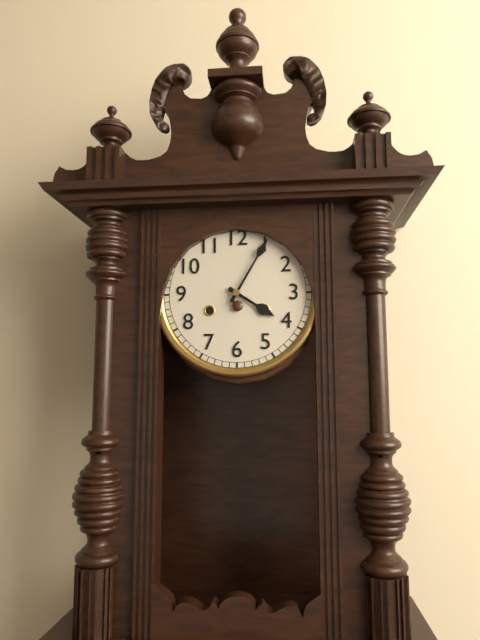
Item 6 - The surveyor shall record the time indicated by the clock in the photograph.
4:05
